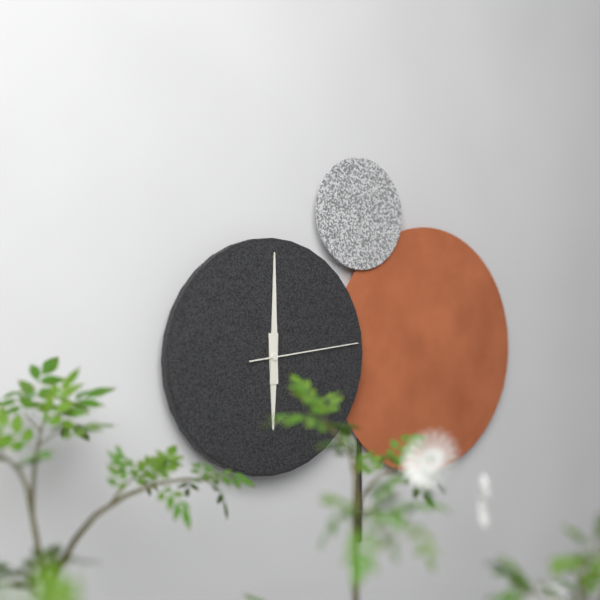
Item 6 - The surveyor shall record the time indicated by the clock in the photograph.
6:00:14
